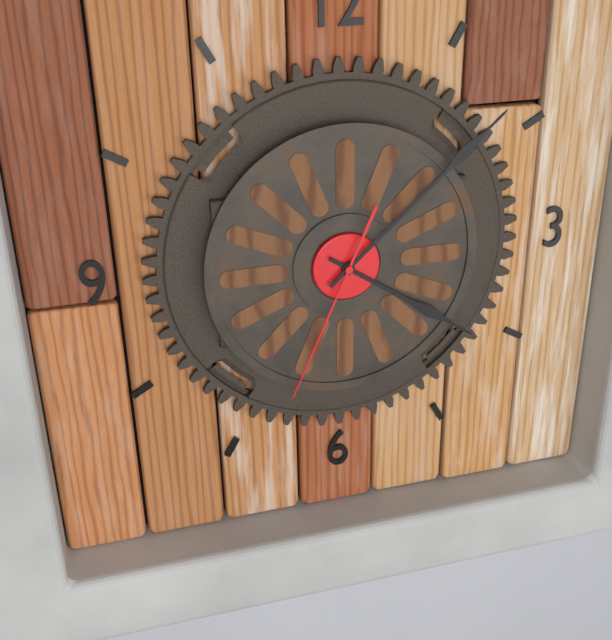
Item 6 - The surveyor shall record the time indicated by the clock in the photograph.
4:08:34
